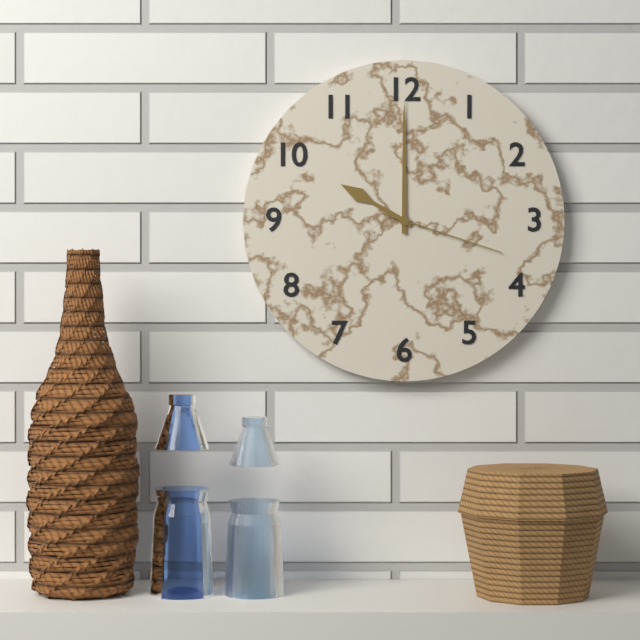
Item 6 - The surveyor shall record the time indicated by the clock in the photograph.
10:00:18
